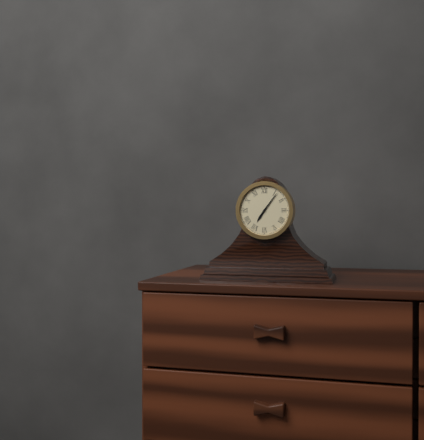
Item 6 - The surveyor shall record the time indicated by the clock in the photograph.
7:06
